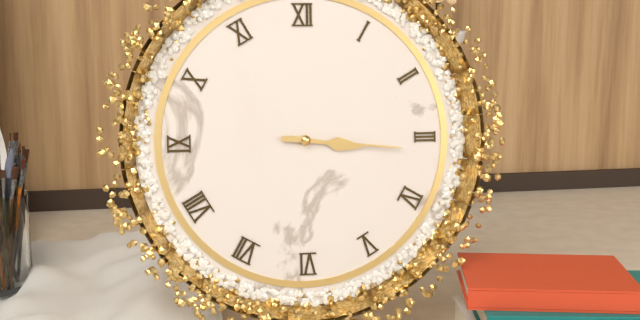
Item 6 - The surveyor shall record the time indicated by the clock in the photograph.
3:16
